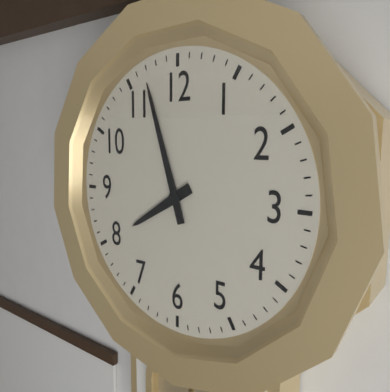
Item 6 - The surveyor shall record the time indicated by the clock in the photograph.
7:57
